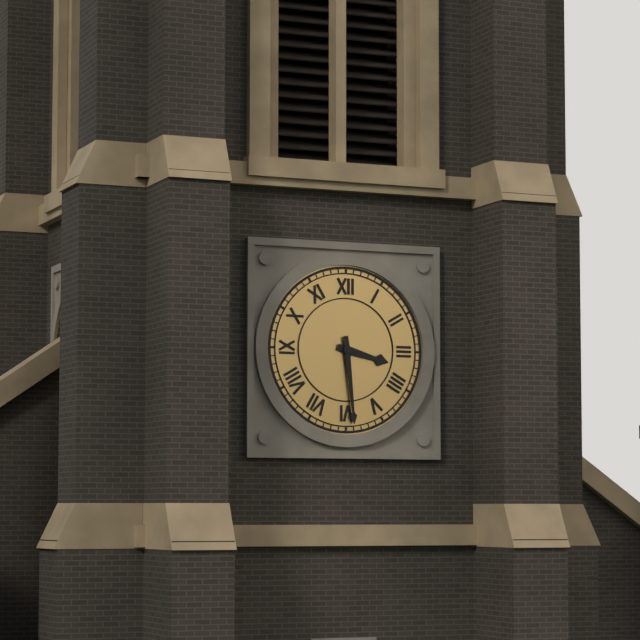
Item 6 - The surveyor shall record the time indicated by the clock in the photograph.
3:29
